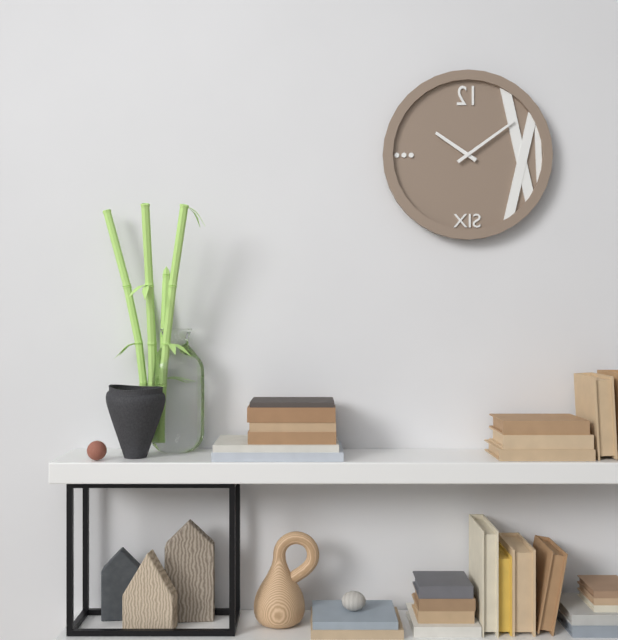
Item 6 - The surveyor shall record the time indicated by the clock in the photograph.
10:09
